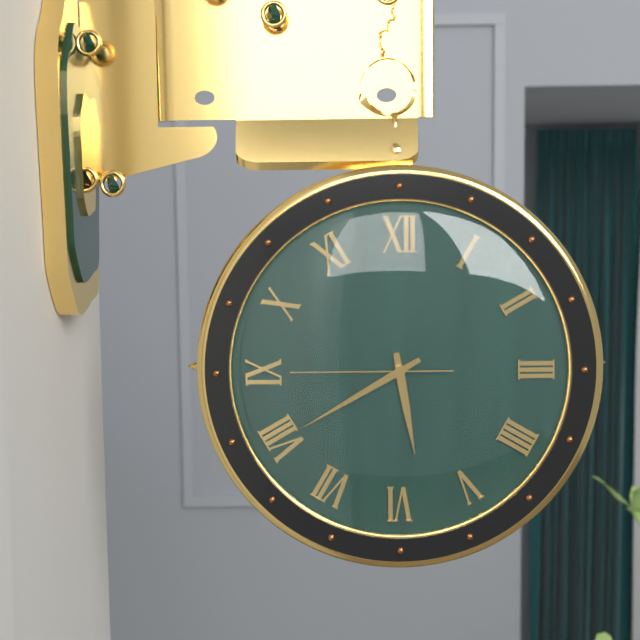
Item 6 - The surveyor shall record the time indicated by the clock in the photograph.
5:40:45
